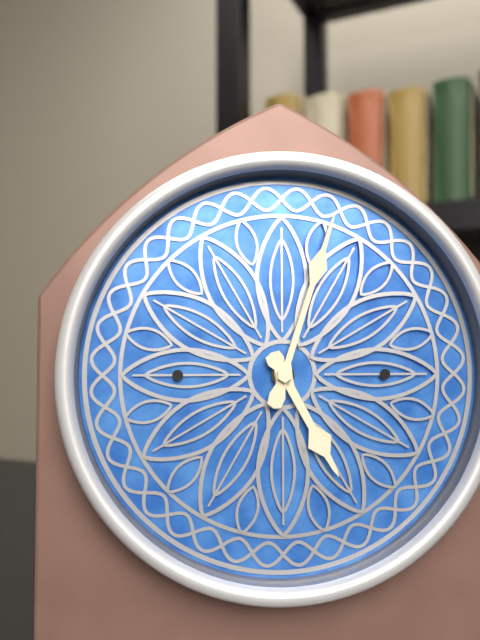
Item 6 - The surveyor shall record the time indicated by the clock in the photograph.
5:03
